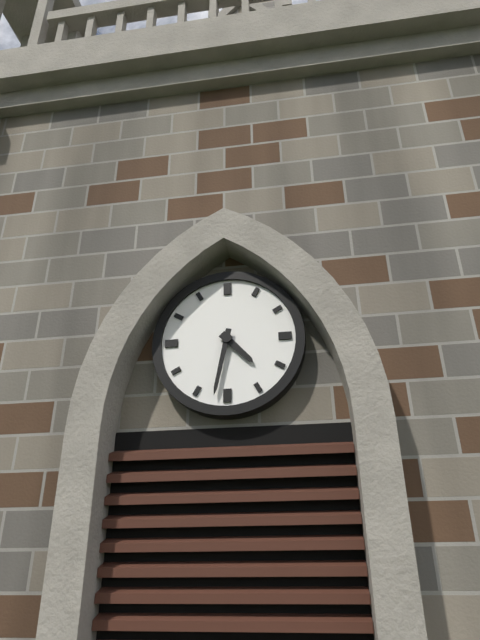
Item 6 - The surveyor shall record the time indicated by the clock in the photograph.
4:32
